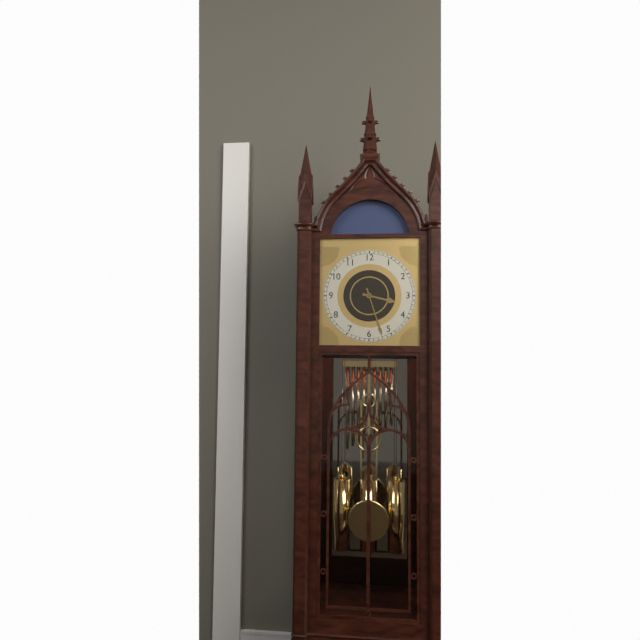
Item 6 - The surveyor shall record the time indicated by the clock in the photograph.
3:27
